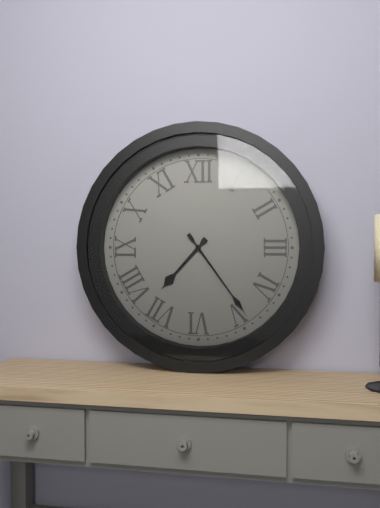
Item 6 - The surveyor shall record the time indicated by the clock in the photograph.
7:24
